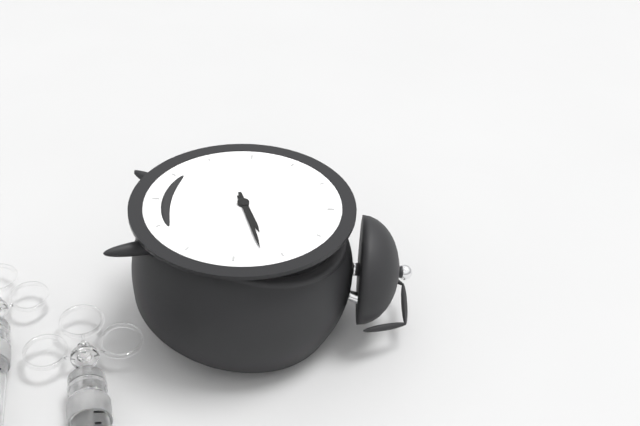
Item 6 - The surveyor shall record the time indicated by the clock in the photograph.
2:12
